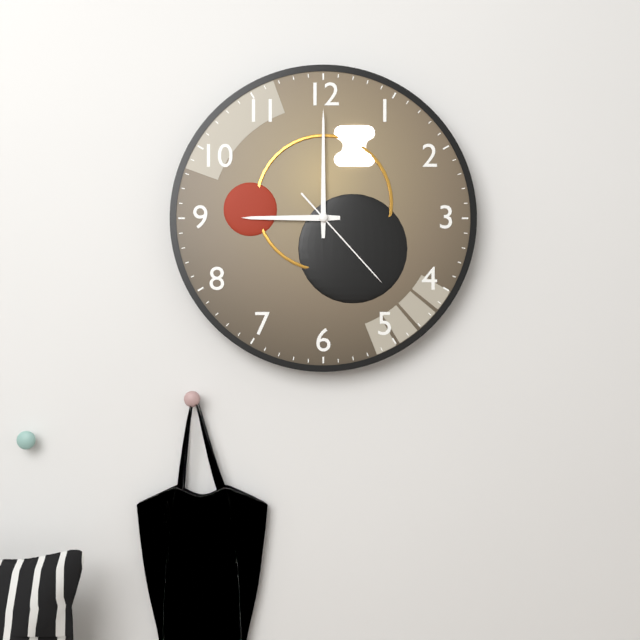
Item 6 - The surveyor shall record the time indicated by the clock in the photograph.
9:00:23
